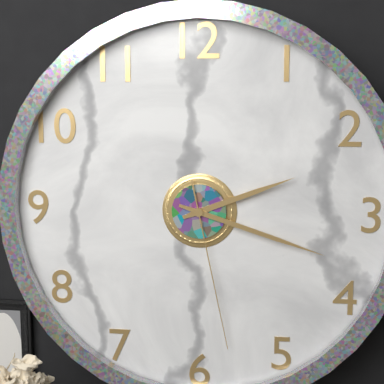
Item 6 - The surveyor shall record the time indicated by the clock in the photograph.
2:18:28
